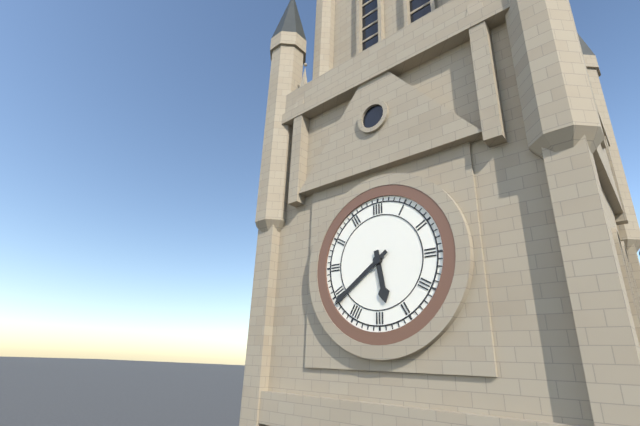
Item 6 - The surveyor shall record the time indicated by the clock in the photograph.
5:39
